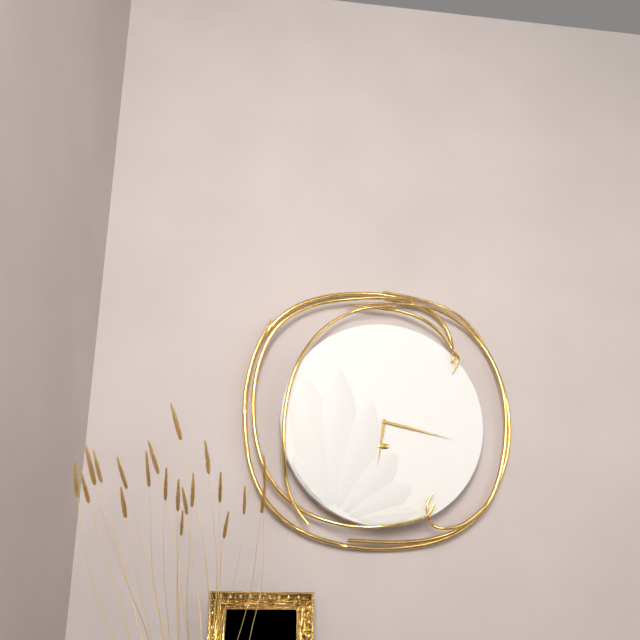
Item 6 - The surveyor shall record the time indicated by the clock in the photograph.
6:17
